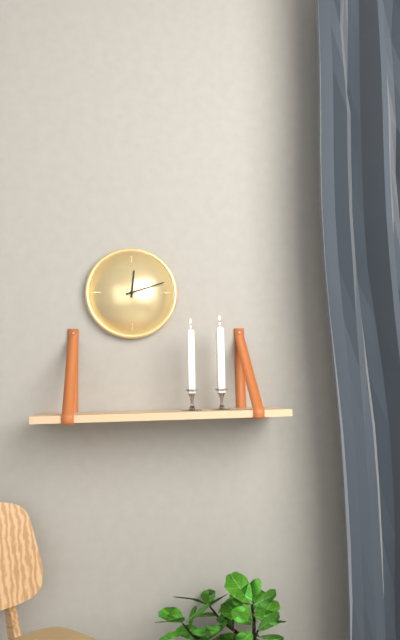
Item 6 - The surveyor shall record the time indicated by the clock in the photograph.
12:12
